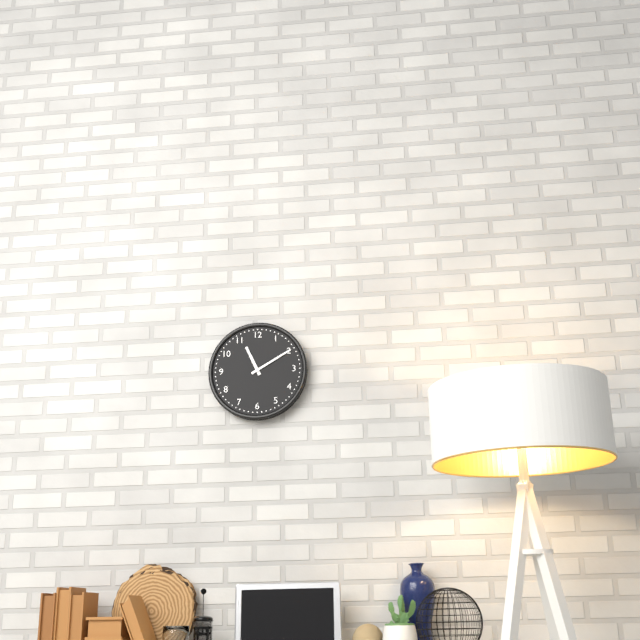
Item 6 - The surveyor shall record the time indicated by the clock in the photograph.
11:10
